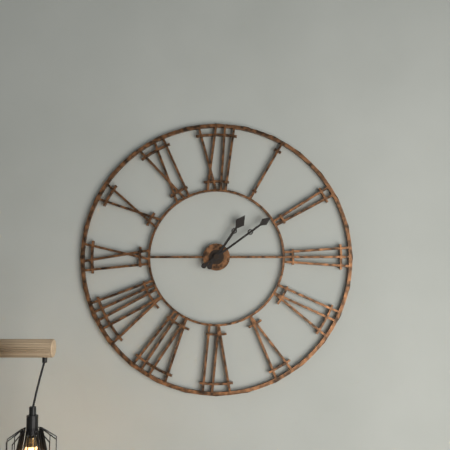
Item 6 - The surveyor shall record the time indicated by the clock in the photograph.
1:09
